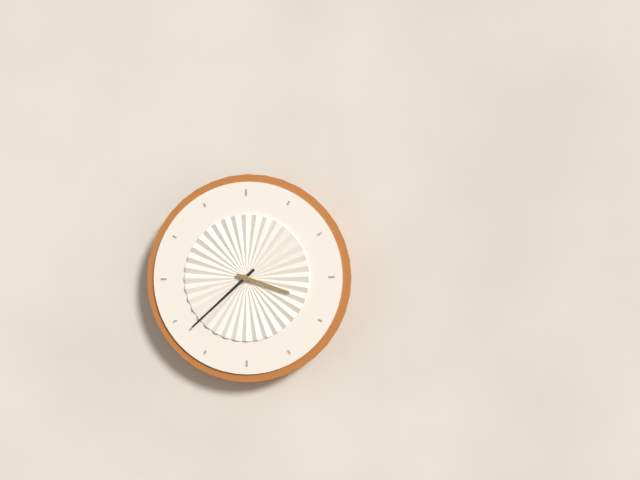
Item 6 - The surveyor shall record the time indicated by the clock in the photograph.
3:38
